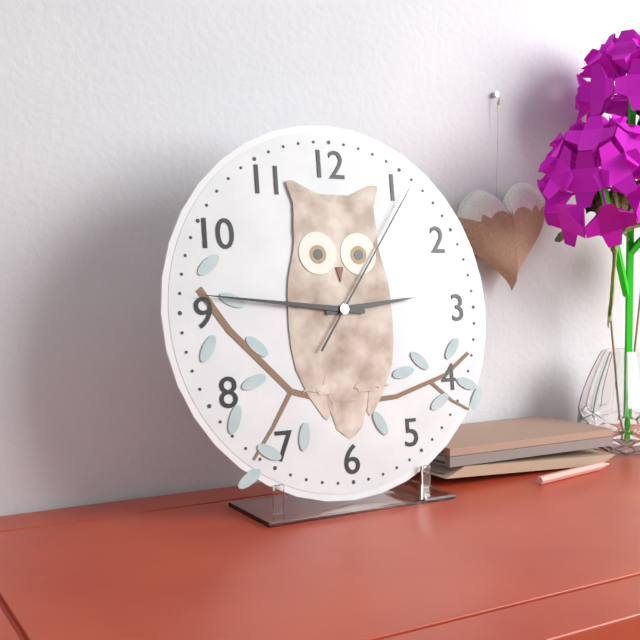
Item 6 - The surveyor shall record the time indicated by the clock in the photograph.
2:46:06
